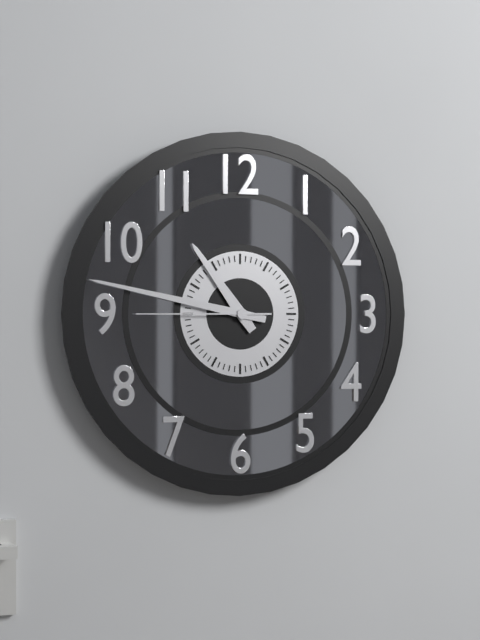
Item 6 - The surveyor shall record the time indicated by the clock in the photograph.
10:47:45
